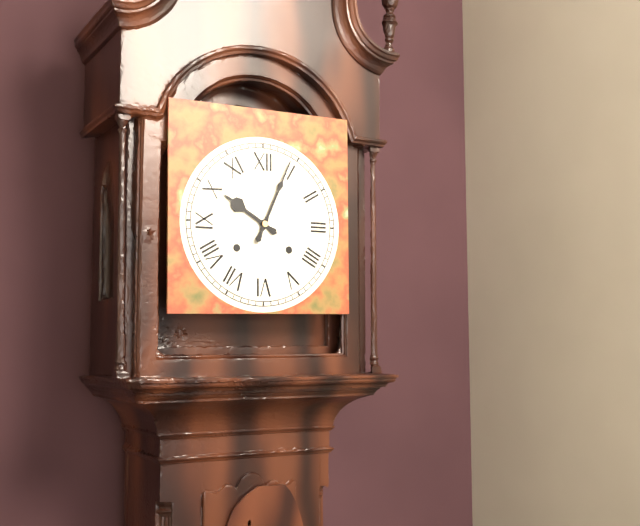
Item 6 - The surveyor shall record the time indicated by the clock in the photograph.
10:04
